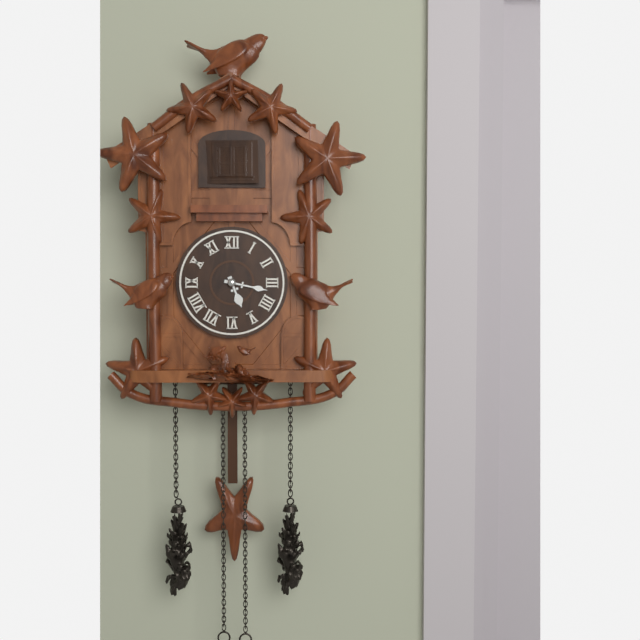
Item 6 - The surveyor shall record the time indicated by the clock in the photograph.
5:17
